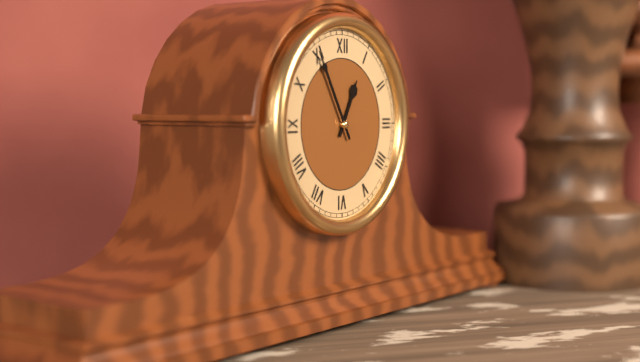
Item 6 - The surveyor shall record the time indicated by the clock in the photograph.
12:55
